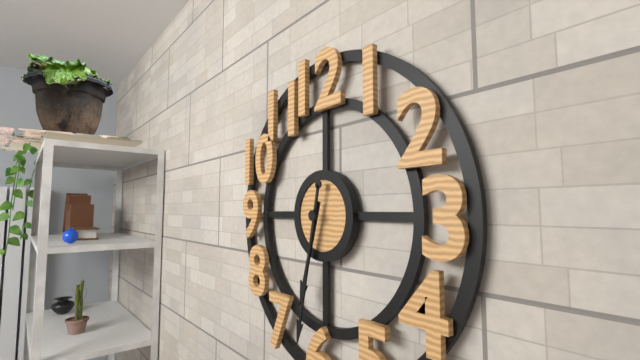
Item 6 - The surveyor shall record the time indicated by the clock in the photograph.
6:32
